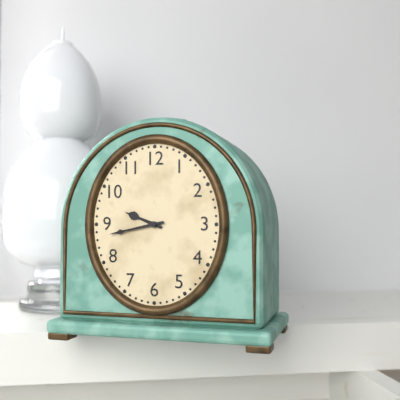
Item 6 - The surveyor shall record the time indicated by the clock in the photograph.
9:43
